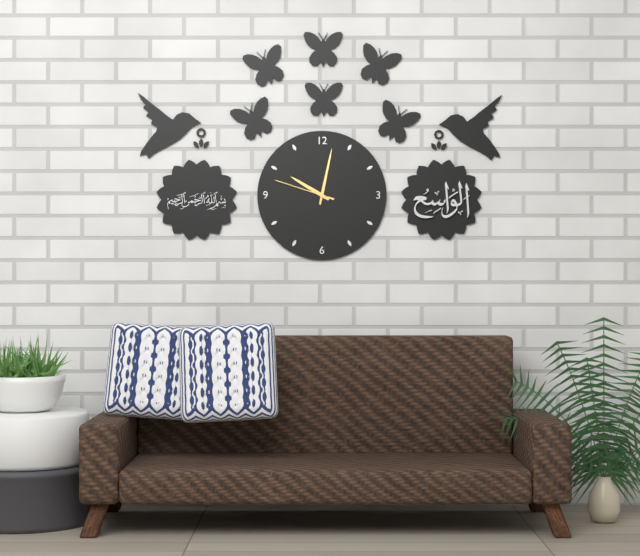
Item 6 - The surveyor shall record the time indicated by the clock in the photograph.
10:02:48
